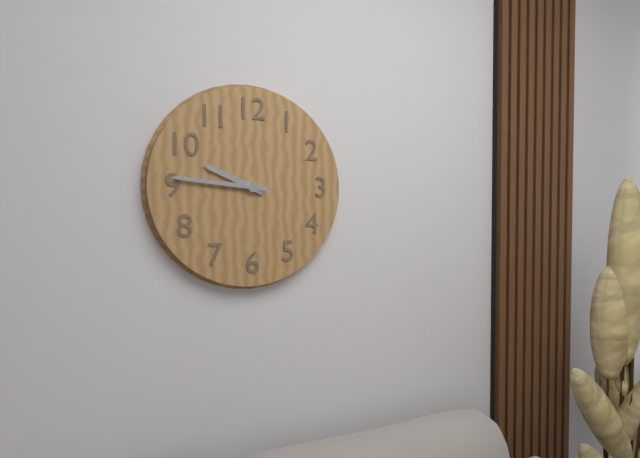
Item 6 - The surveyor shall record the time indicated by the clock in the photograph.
9:46
